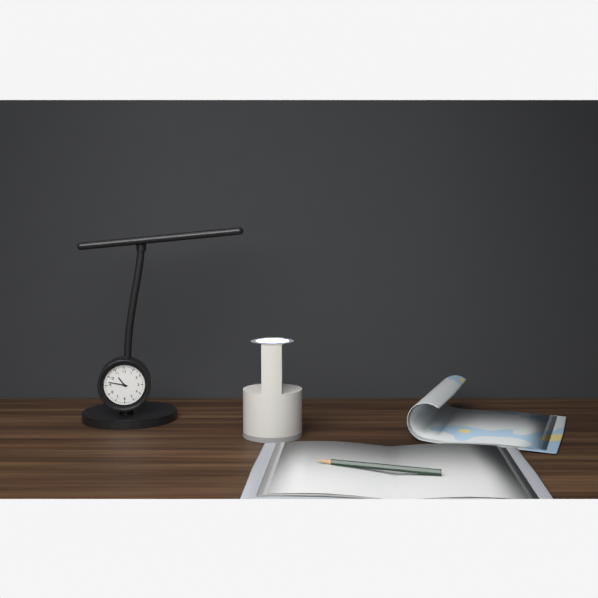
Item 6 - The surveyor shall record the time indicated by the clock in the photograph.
10:47
